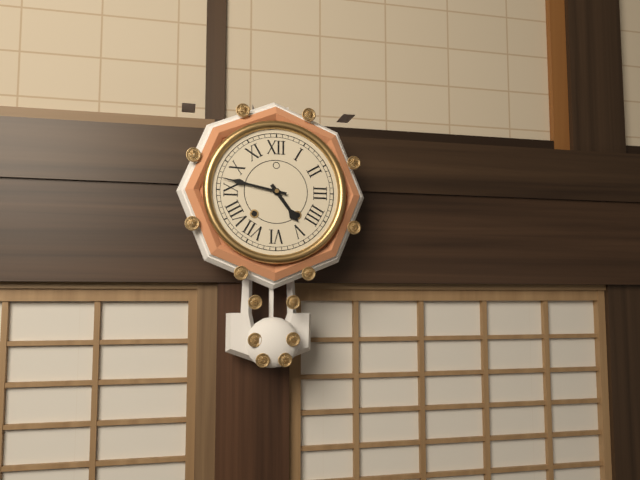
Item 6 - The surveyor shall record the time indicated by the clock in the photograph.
4:47
